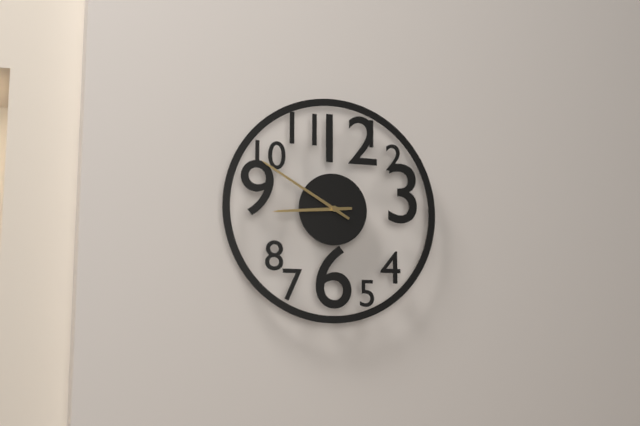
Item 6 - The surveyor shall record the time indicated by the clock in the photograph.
8:50
